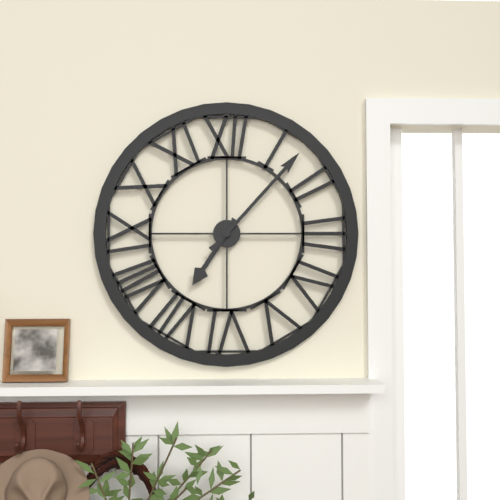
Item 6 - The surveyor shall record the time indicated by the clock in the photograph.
7:07
